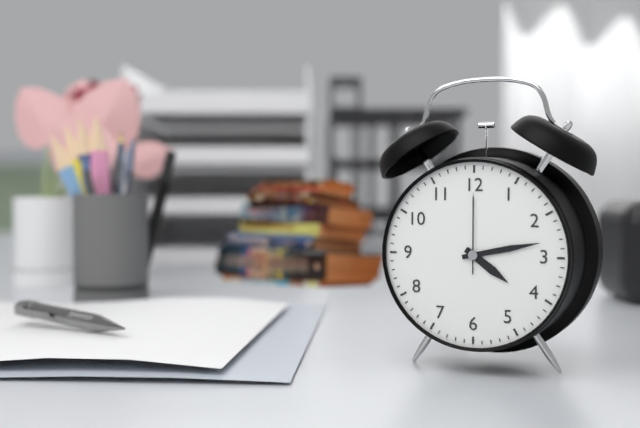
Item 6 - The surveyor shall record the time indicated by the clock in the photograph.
4:13:00
